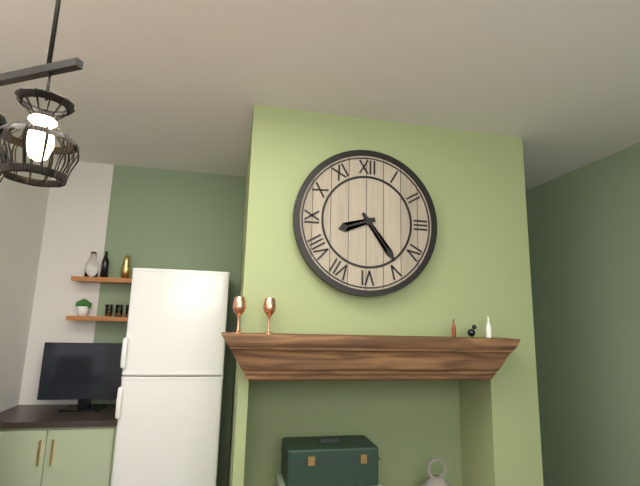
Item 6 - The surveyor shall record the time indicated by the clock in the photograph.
8:24
